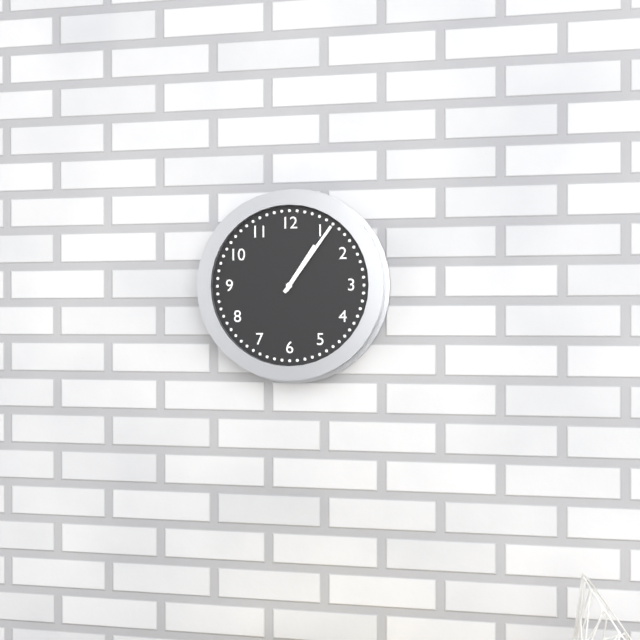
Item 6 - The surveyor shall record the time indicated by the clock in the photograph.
1:06
